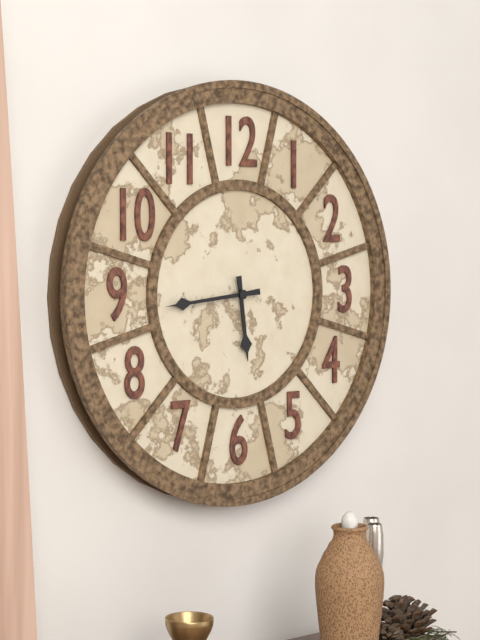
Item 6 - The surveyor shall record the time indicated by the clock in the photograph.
5:44
